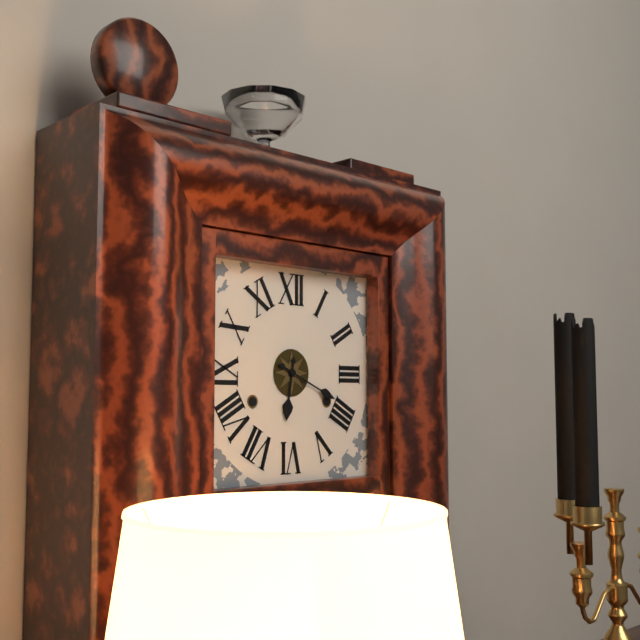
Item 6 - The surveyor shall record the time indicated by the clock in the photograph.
6:19
